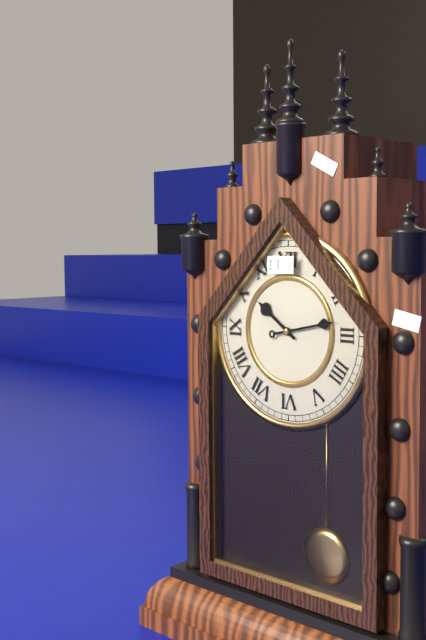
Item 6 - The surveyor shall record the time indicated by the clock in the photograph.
10:13
